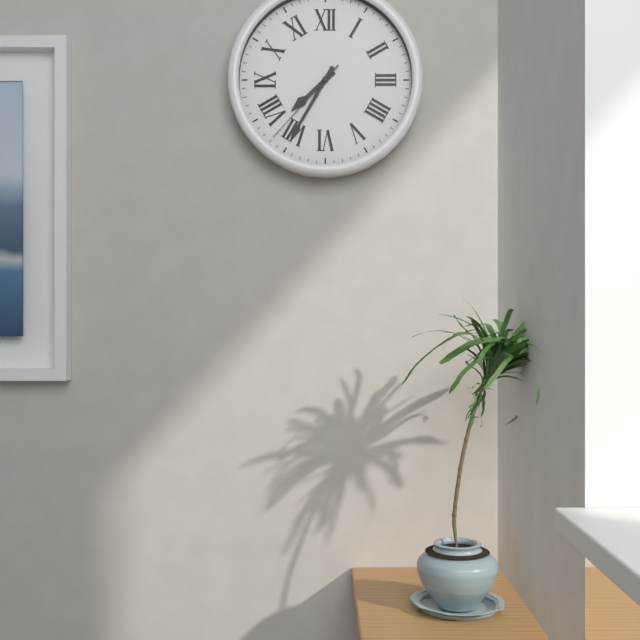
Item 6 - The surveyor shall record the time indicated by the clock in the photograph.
7:35:37
